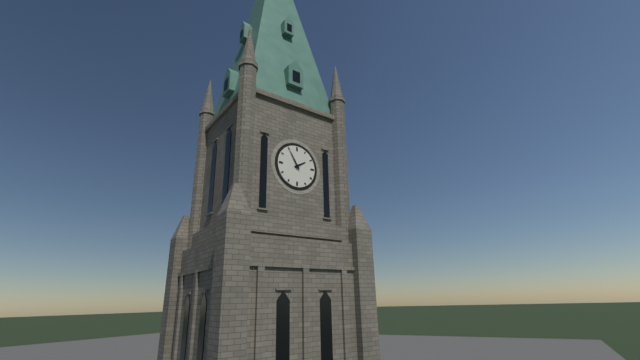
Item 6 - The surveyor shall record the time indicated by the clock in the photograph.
1:55
